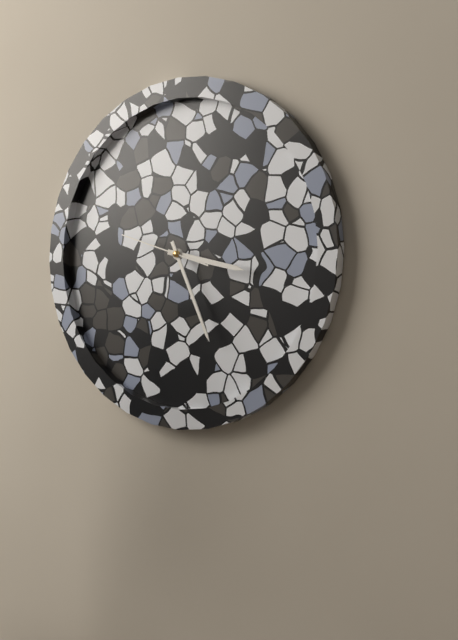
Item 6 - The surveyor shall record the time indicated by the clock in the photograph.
3:26:48
